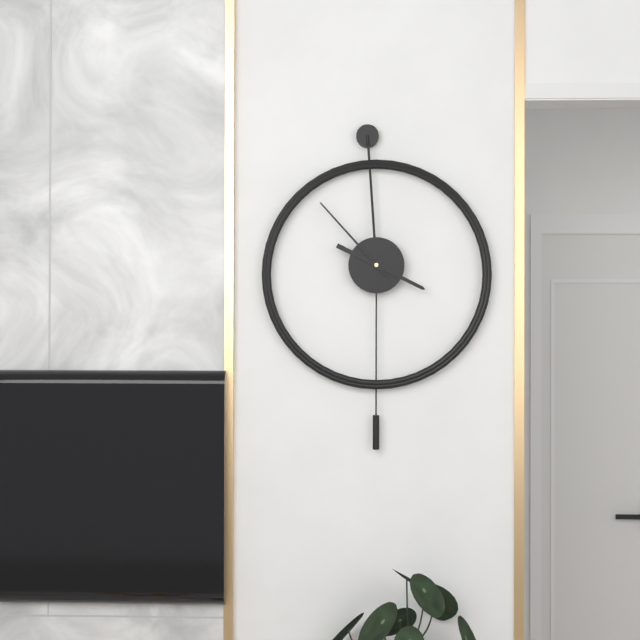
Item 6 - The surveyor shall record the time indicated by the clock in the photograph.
3:53
